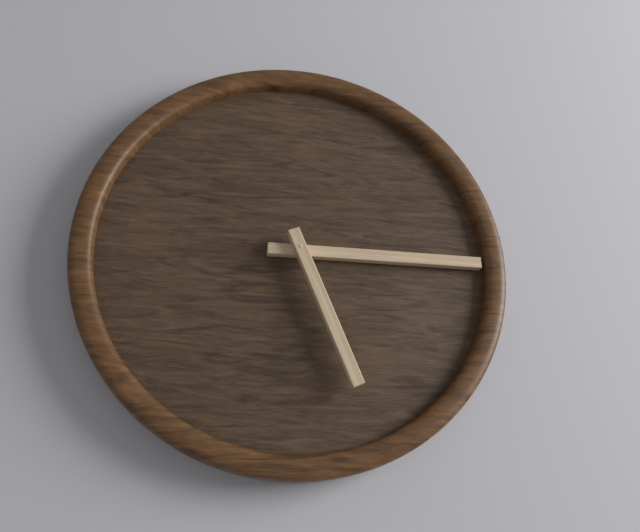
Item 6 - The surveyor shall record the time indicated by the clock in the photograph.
5:15
